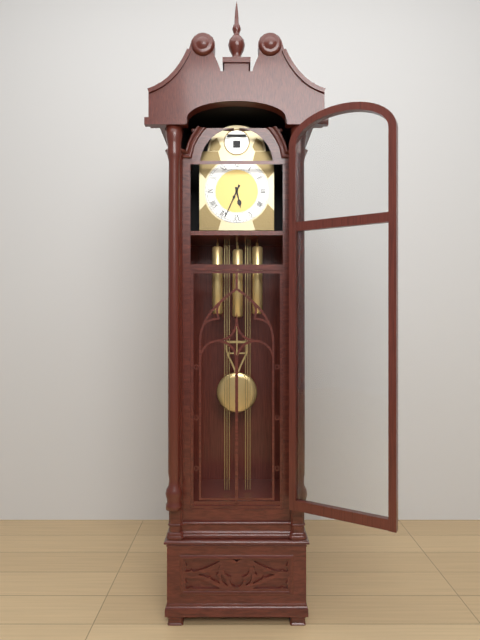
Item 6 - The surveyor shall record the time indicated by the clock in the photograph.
5:34
